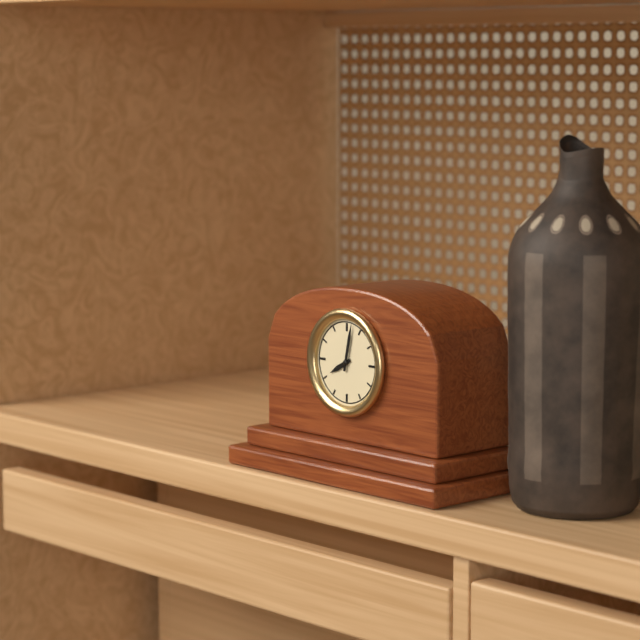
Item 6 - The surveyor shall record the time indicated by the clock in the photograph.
8:02
